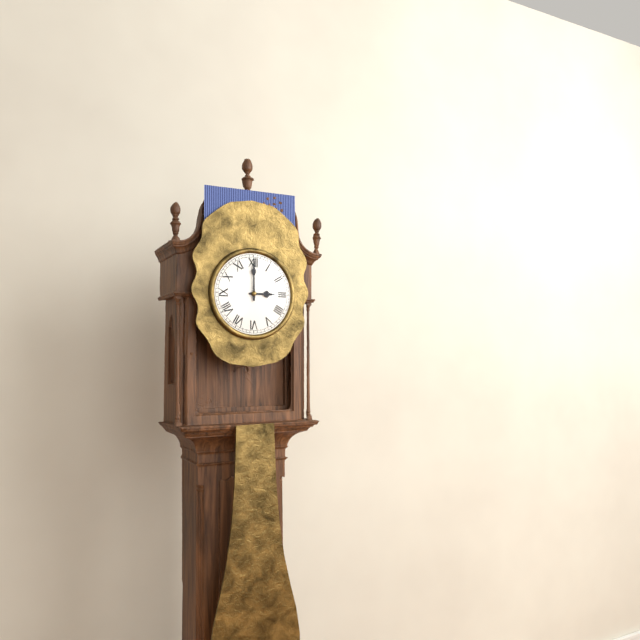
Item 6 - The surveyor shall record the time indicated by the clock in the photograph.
3:00
